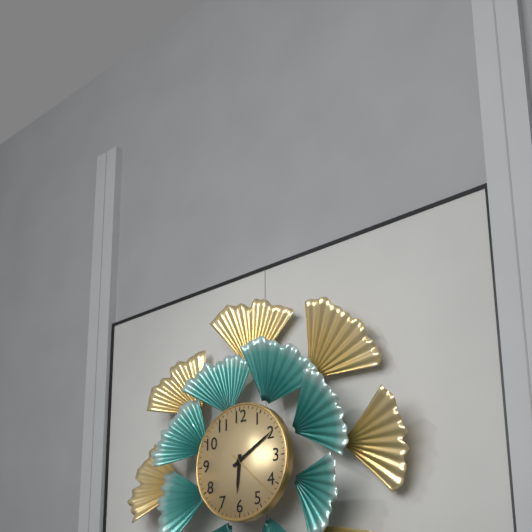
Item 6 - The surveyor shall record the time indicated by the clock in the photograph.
6:10:22
